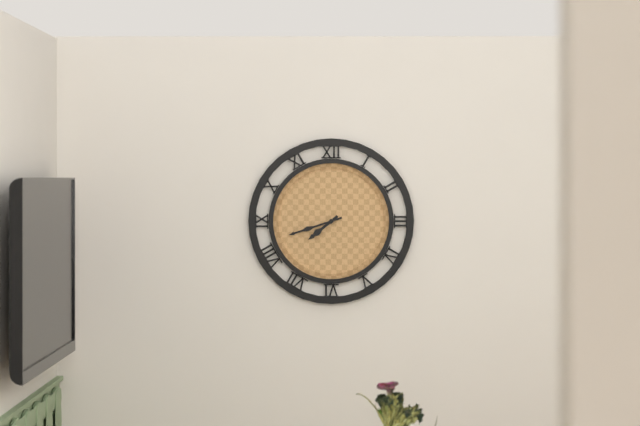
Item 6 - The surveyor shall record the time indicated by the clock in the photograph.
7:42
